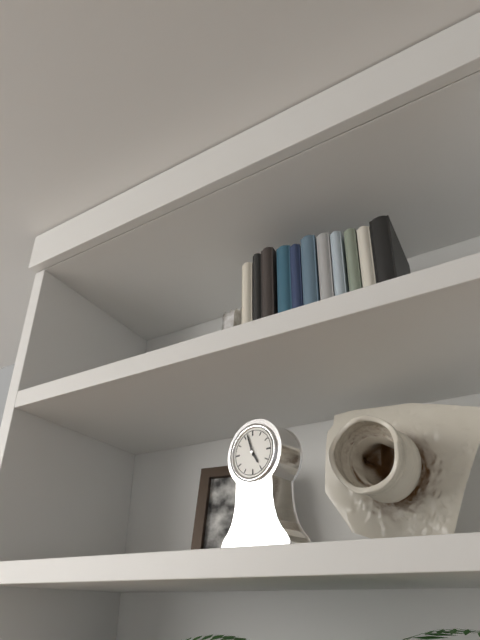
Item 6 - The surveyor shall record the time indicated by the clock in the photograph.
4:57
